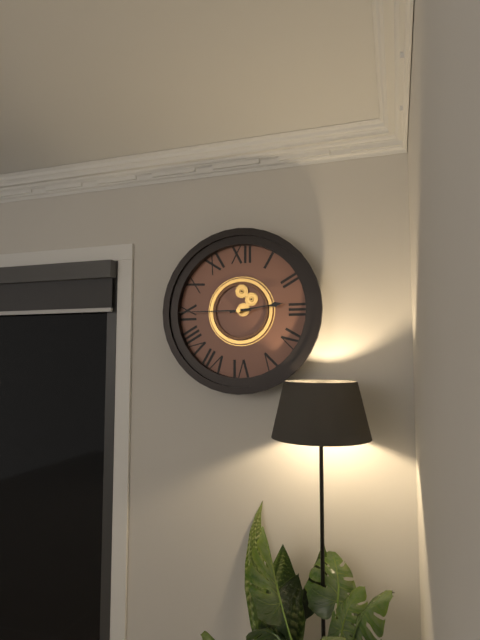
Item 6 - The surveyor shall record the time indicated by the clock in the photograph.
2:45
